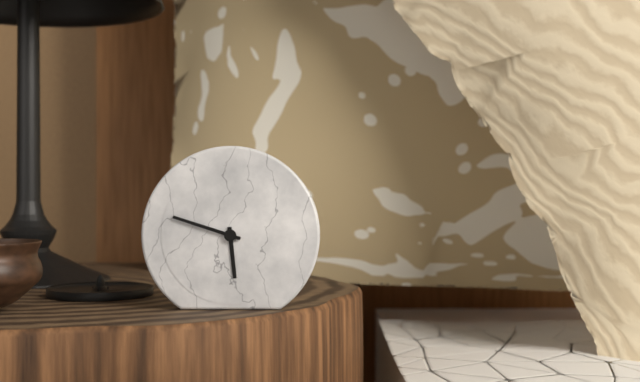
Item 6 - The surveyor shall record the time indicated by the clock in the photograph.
5:48
